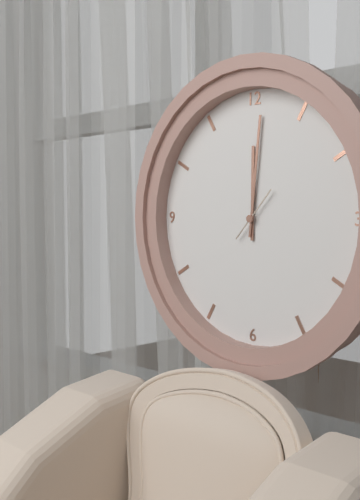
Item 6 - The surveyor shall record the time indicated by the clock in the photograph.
12:01
